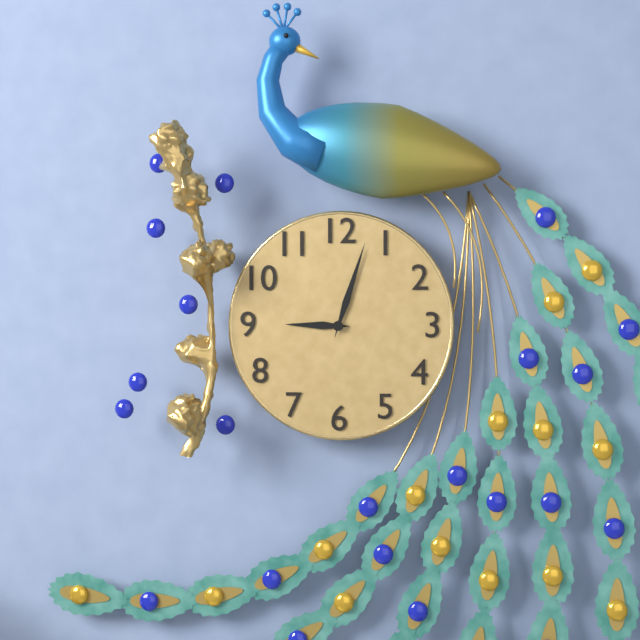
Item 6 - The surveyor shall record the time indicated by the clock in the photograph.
9:03
